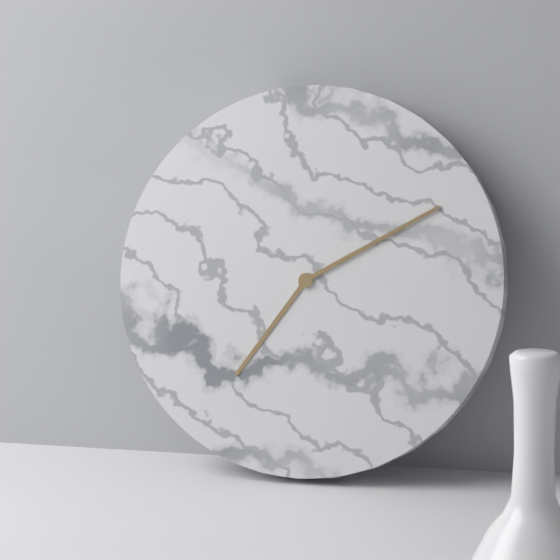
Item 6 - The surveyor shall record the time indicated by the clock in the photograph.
7:10
